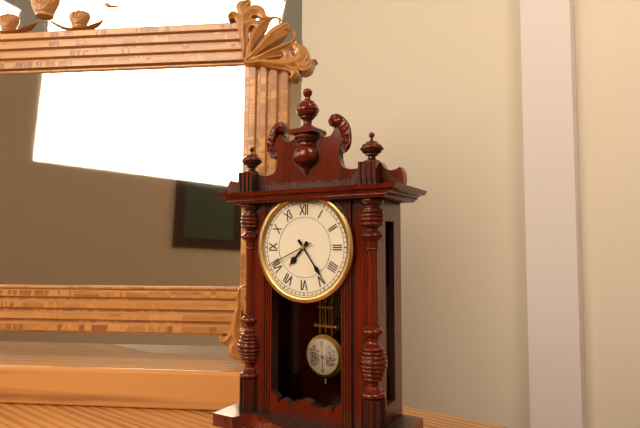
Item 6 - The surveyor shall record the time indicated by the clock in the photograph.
7:24:41
